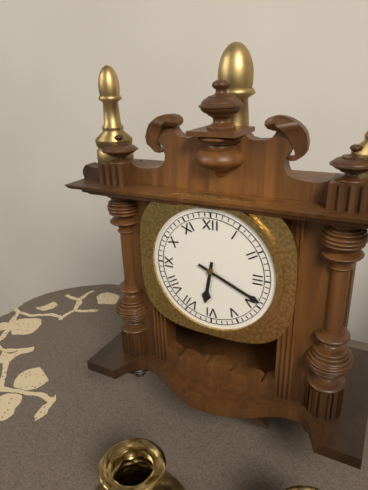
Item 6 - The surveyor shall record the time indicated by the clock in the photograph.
6:19
